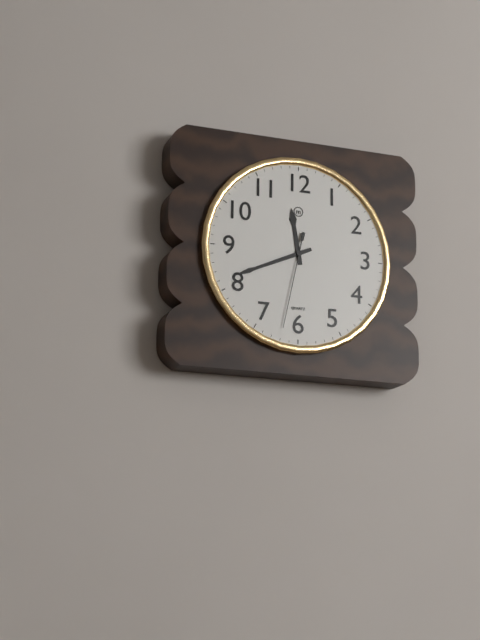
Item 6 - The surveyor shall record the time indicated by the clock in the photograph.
11:41:32
